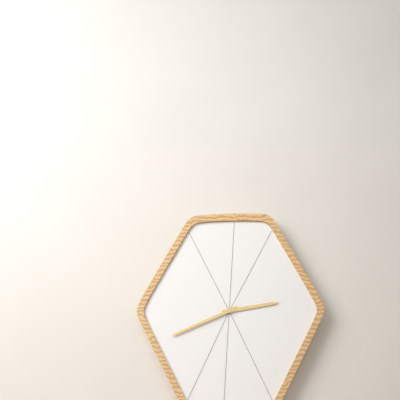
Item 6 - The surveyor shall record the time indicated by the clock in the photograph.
2:41
